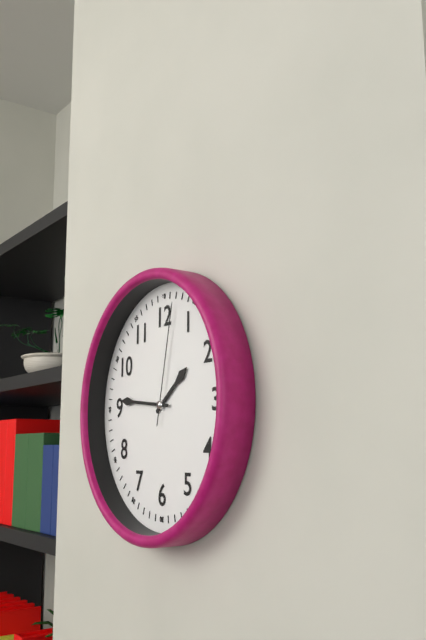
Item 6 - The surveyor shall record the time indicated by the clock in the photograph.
1:46:02
